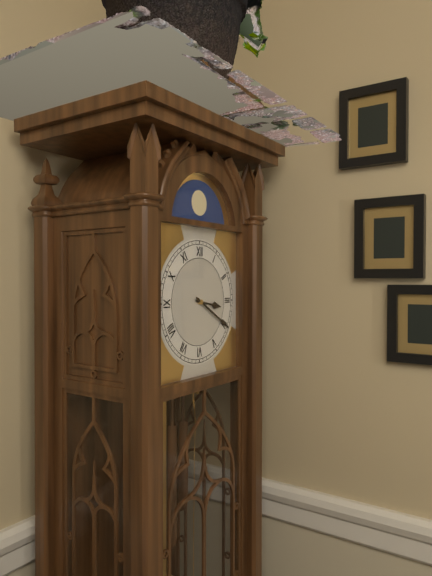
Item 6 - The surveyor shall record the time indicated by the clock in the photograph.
3:20
